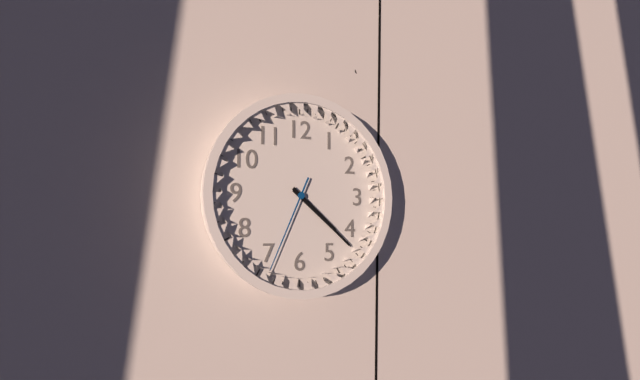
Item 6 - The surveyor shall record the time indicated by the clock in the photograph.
4:22:34
